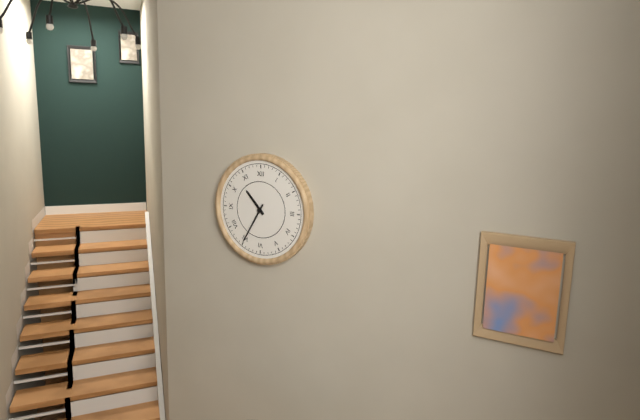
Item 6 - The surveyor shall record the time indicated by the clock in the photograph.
10:35
